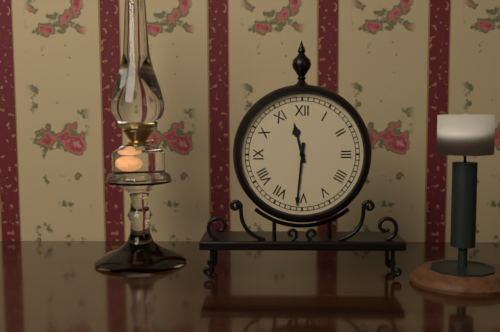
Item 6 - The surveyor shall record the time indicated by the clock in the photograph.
11:31
